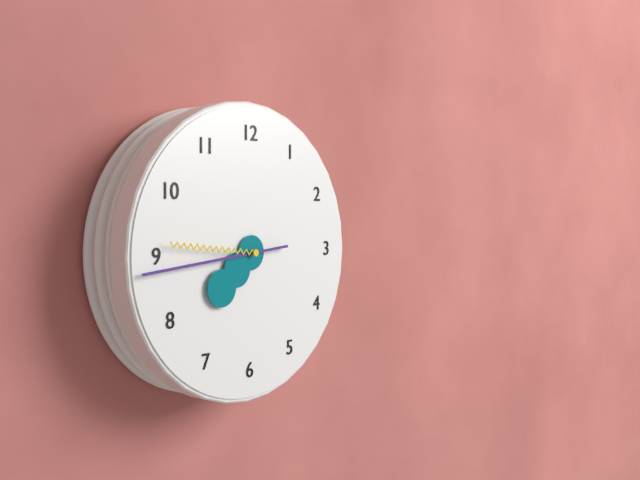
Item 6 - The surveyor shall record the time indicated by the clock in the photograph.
7:44:46
